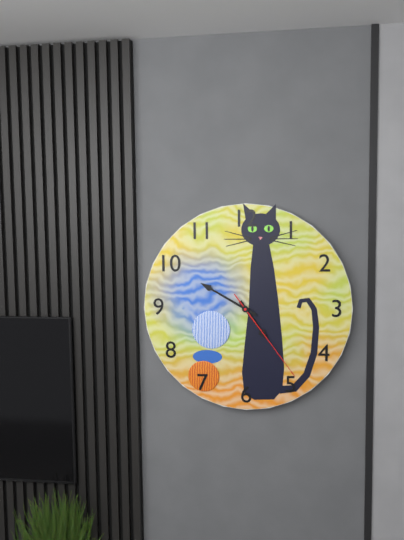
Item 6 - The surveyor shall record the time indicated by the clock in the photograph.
4:50:24
